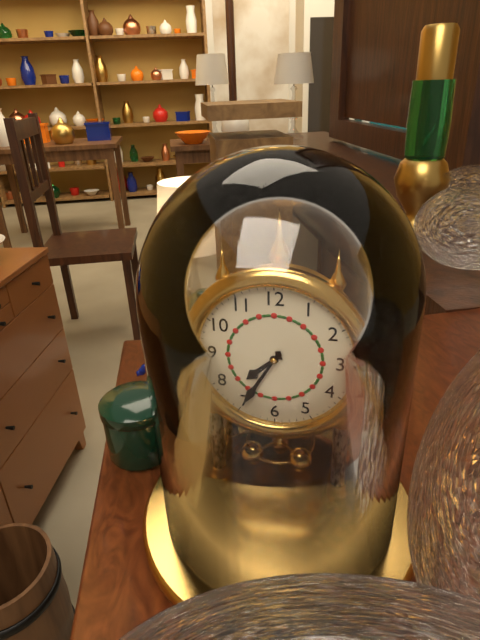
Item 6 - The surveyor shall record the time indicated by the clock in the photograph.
7:35
